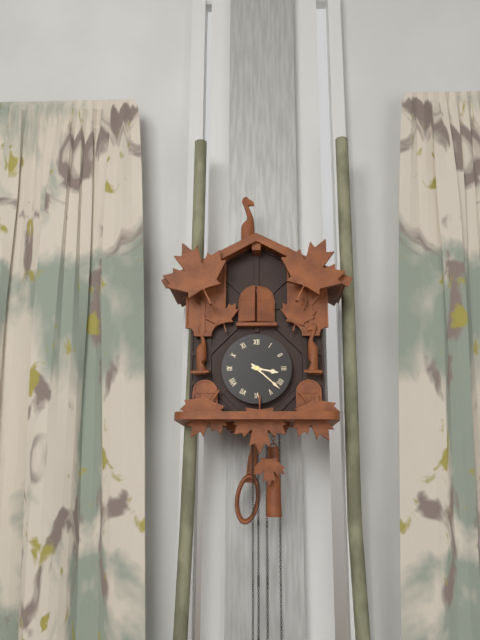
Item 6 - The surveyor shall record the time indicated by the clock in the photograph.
3:22
